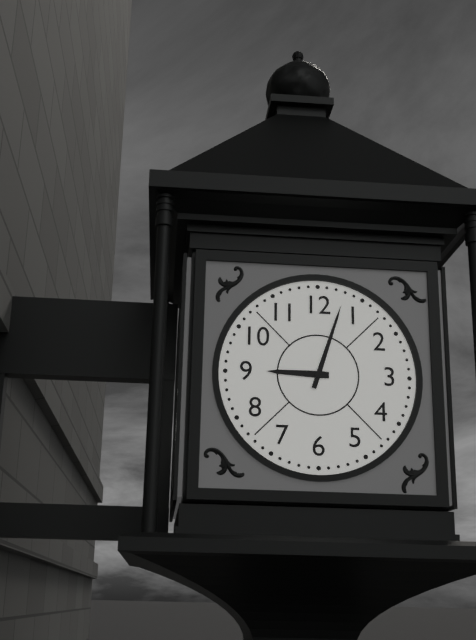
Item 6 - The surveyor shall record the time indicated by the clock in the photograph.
9:03
